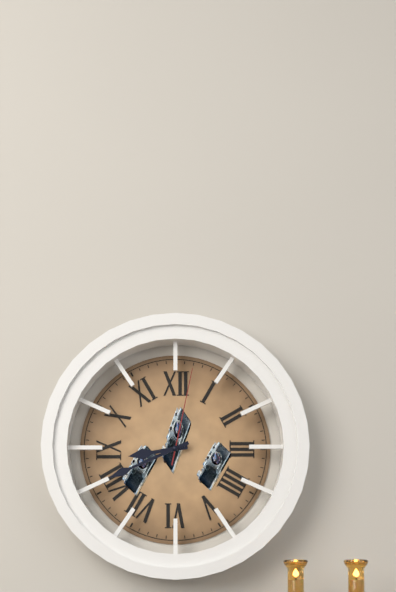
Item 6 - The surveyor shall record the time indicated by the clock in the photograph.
8:41:02
